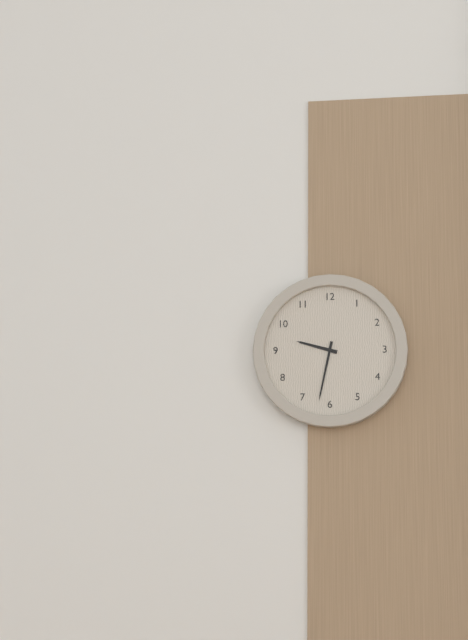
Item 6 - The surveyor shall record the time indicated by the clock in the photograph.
9:32
